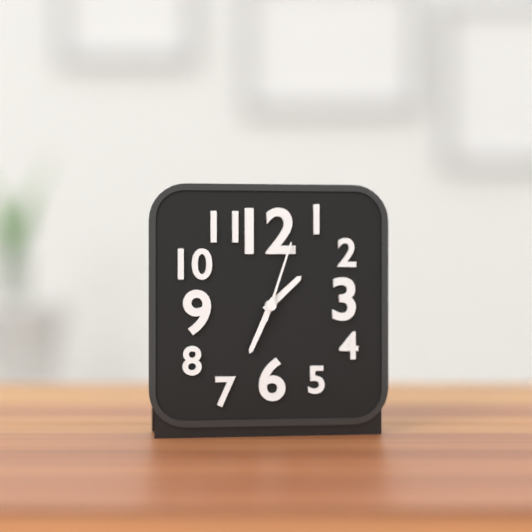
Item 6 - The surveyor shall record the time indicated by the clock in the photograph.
1:34:03
